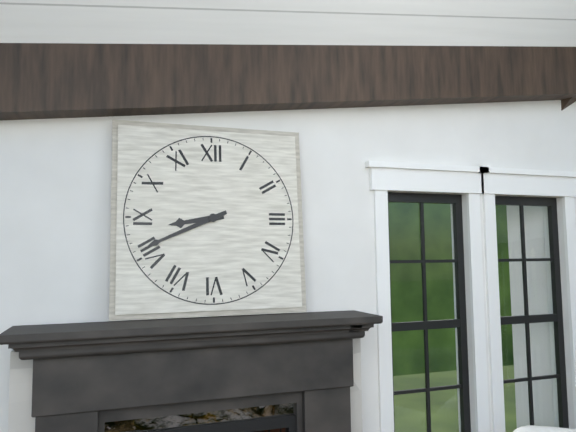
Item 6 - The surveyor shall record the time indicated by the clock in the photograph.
8:41
